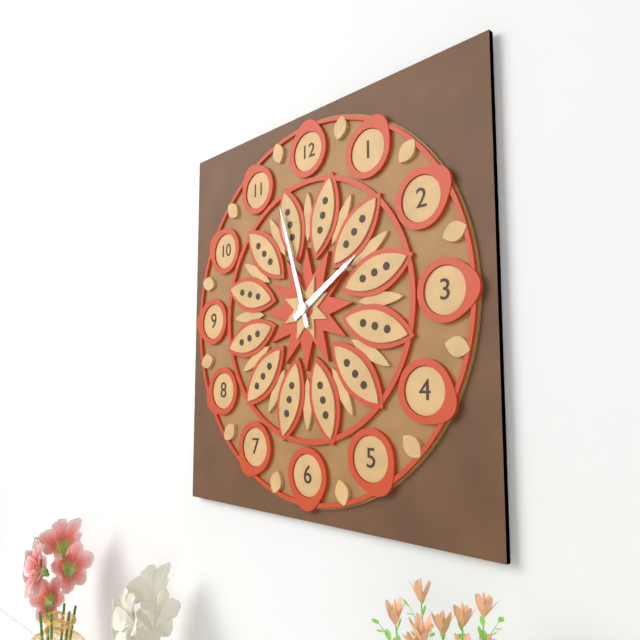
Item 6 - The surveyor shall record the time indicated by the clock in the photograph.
1:57
